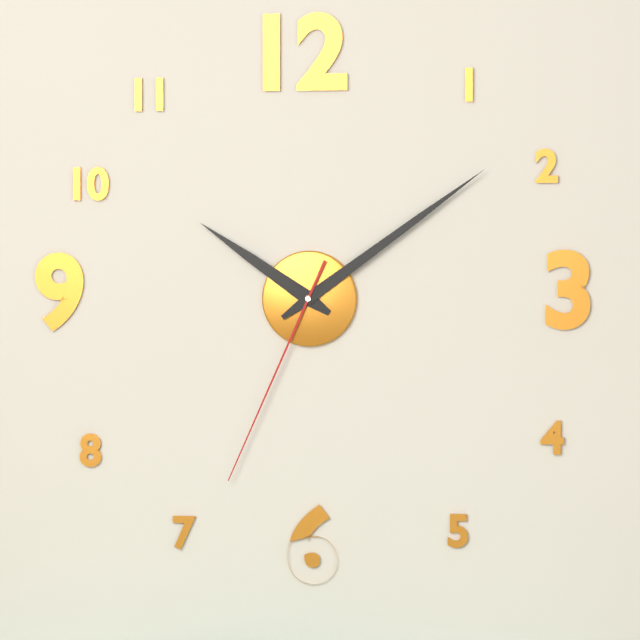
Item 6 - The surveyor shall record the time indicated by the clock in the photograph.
10:09:34
